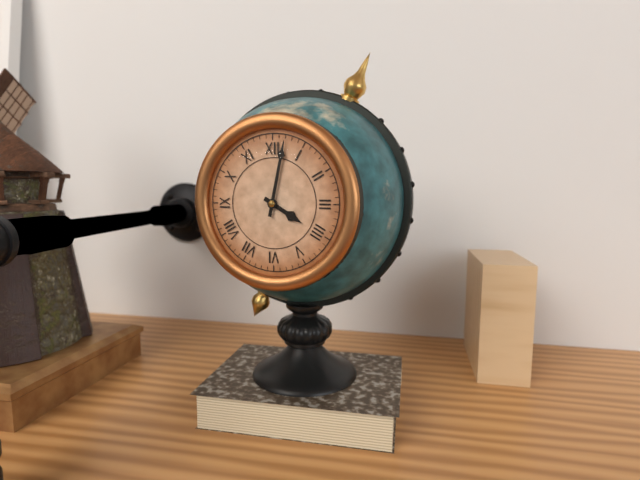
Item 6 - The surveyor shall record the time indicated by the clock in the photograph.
4:02
